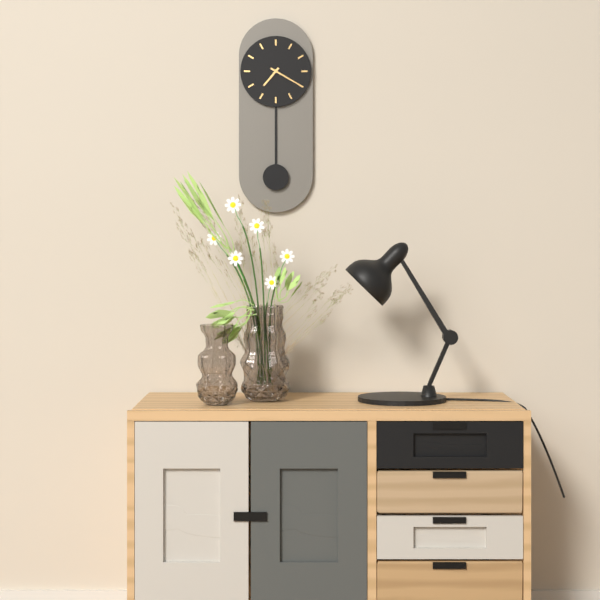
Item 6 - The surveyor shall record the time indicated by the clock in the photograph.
7:20
